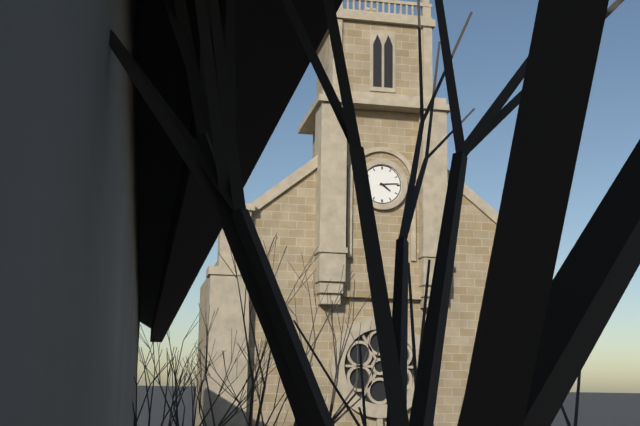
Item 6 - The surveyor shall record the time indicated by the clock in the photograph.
4:14
